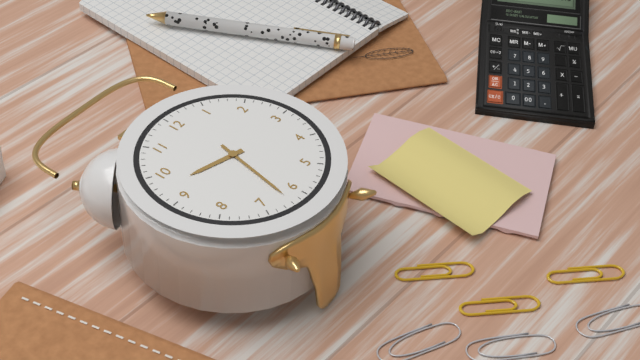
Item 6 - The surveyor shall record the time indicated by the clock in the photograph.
9:32
